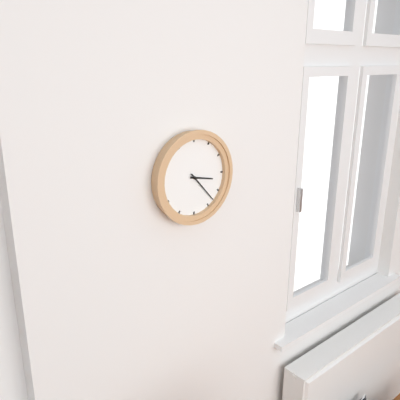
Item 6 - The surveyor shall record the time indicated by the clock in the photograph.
3:23
